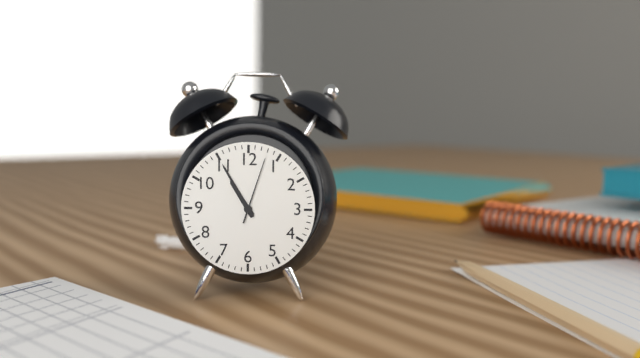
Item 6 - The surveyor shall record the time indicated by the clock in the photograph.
10:55:03
